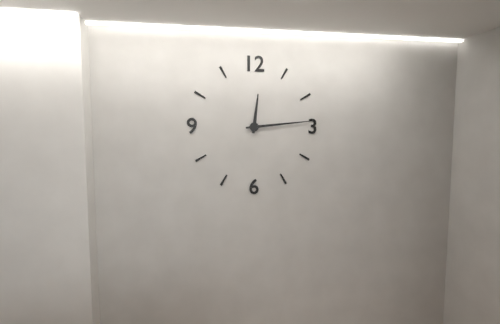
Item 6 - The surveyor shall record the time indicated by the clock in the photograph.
12:14
